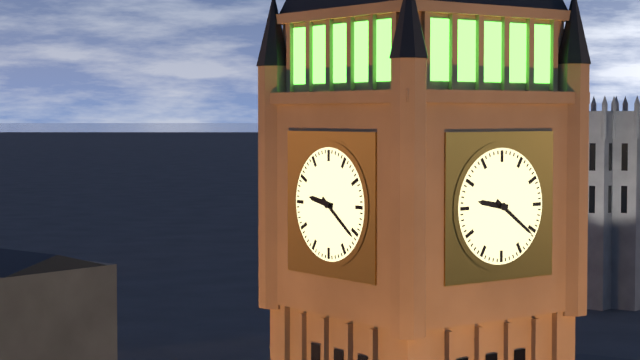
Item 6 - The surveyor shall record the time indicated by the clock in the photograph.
9:21
